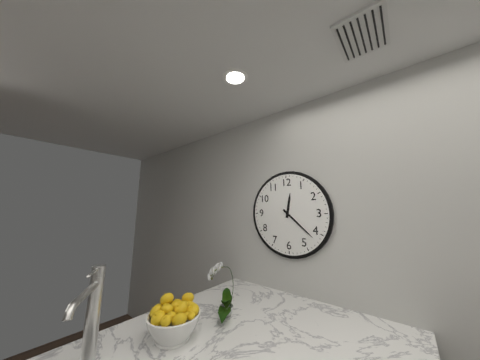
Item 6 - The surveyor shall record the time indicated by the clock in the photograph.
12:22
